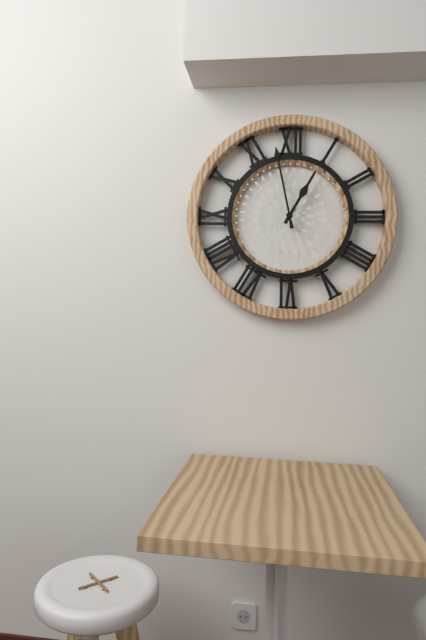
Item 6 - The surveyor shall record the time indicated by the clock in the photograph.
12:58
